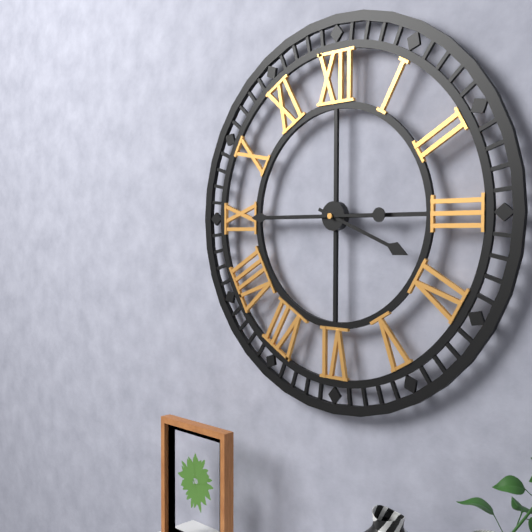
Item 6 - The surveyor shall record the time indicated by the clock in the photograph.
3:45
